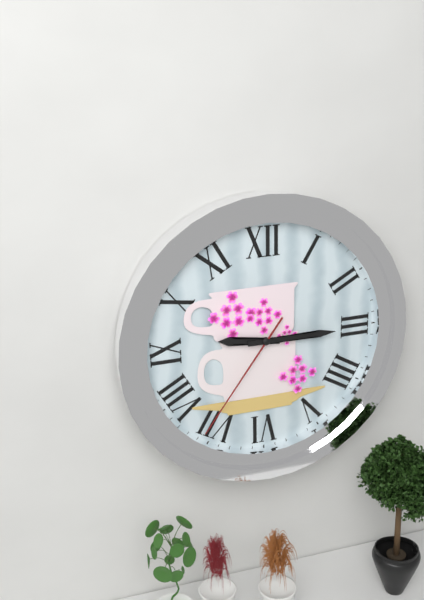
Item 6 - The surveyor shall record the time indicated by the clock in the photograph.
9:15:36
